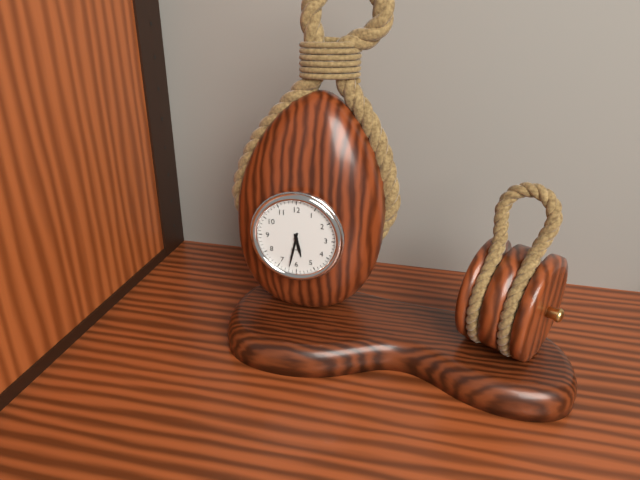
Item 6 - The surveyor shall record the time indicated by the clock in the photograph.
5:32
